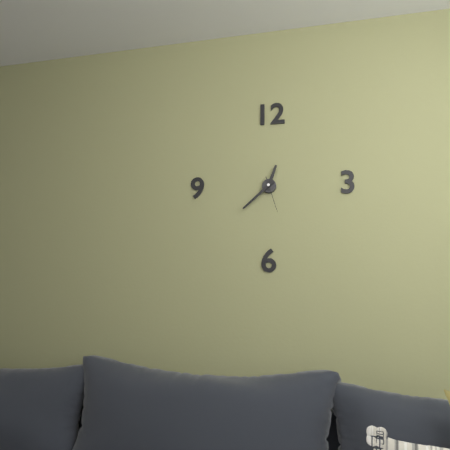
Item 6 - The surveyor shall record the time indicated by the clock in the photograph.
12:38
